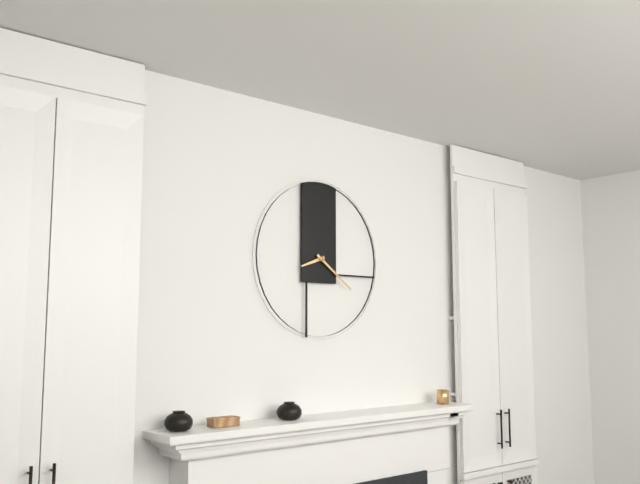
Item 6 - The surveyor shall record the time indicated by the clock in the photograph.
8:21
